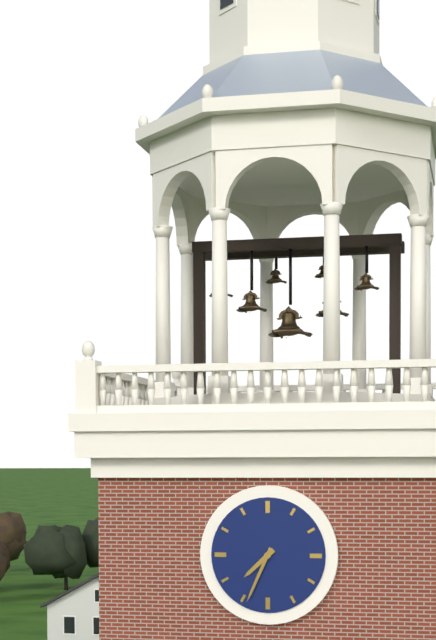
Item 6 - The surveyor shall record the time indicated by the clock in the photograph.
7:34
